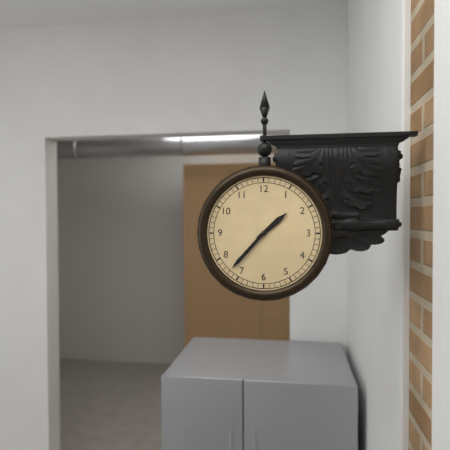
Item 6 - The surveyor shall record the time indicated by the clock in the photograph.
1:37
